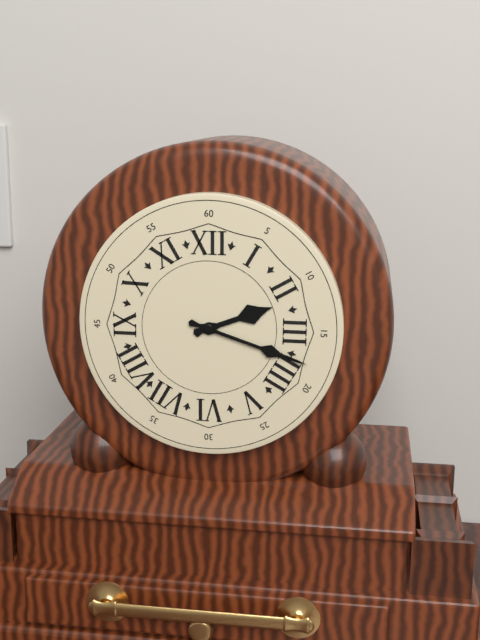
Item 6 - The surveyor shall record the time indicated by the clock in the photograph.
2:18
